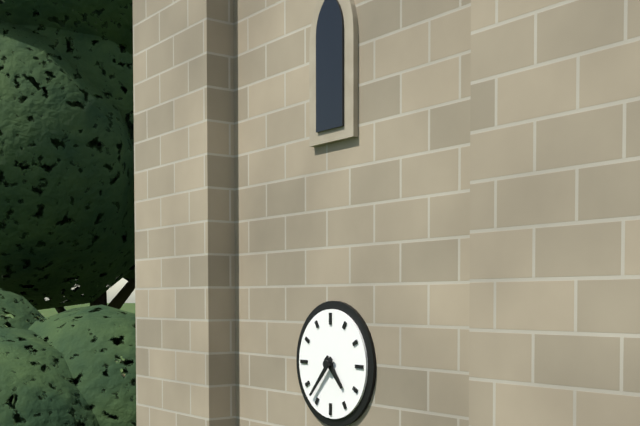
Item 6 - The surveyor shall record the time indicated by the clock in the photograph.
4:37
